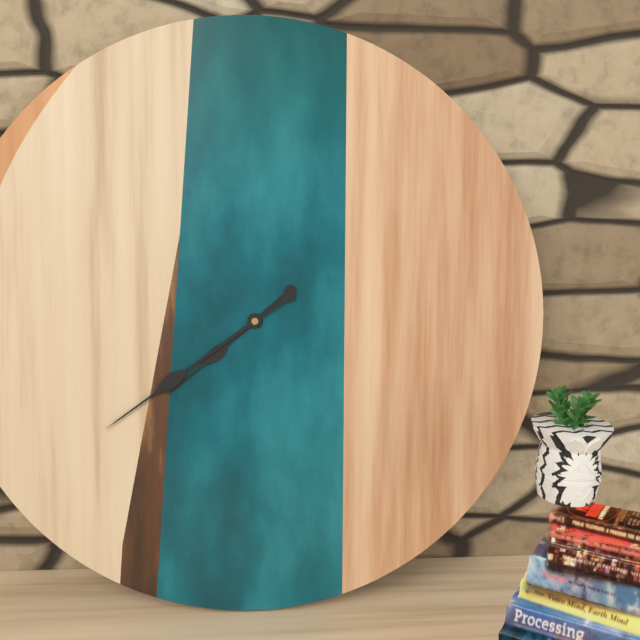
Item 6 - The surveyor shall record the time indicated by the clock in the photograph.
7:39
